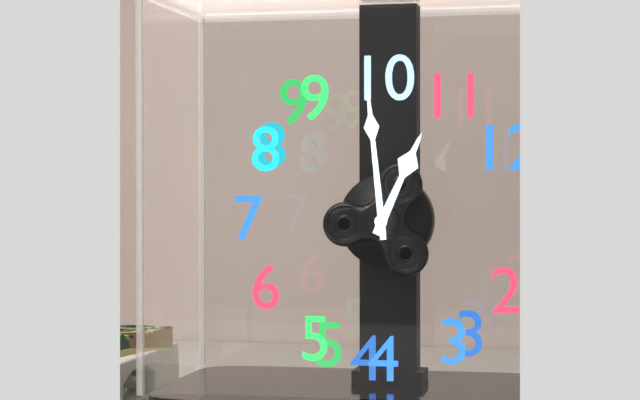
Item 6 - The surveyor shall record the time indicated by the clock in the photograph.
10:49
